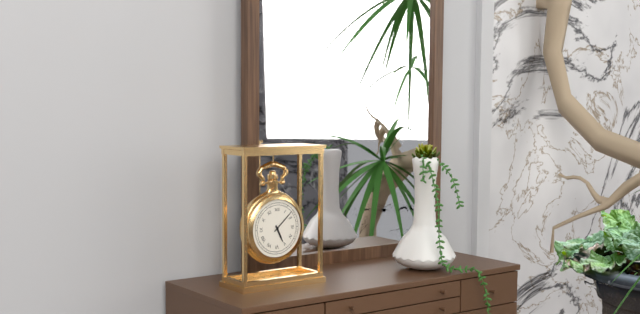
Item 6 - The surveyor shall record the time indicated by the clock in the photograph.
5:08
